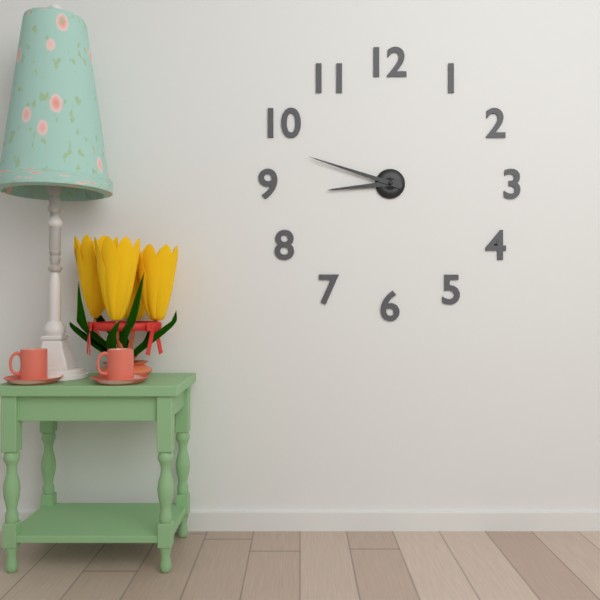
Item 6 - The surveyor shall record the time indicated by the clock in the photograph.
8:48
